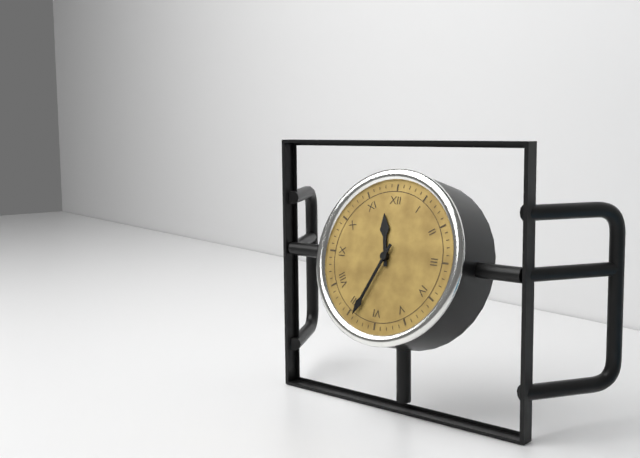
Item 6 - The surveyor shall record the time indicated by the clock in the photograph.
11:34
